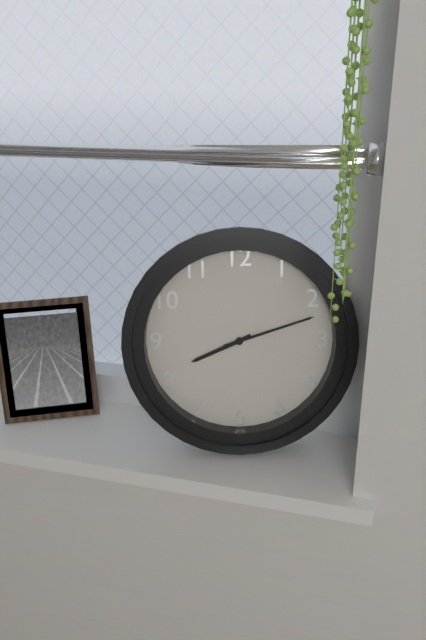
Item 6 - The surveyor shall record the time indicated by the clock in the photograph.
8:12
